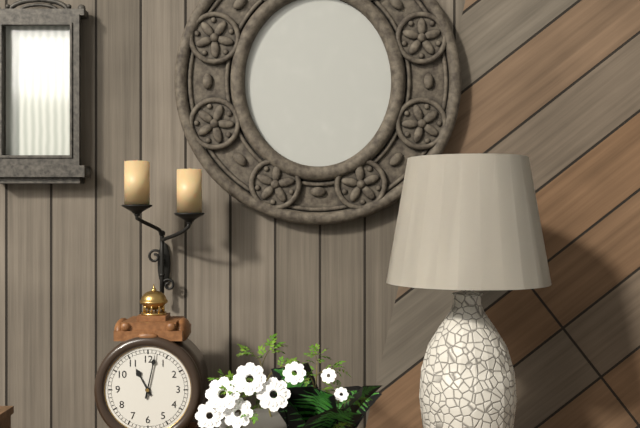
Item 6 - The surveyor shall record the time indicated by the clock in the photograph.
11:02
